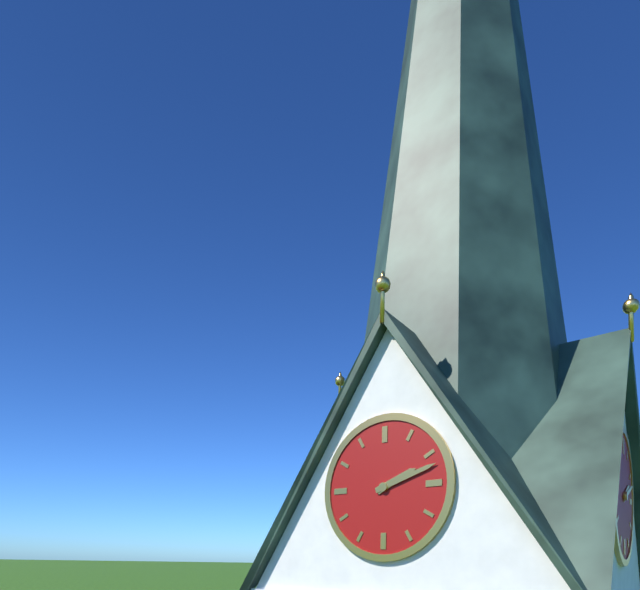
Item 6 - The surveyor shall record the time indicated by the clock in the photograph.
2:12
